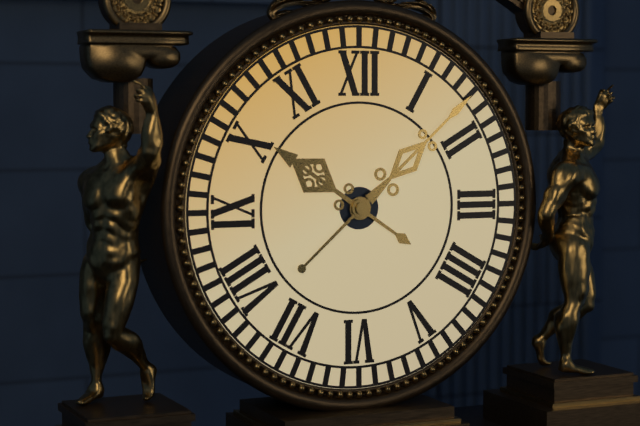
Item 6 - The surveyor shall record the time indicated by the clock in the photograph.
10:08
